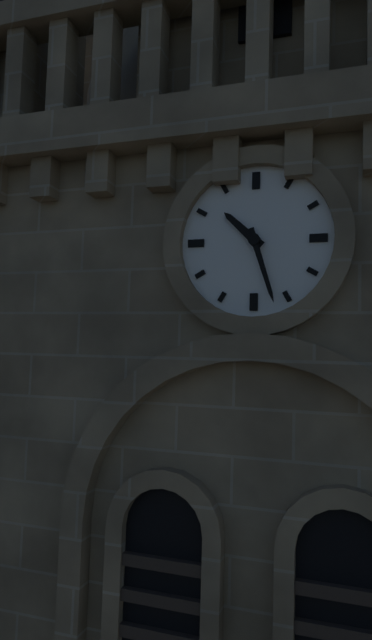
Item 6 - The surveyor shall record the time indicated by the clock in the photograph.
10:27
